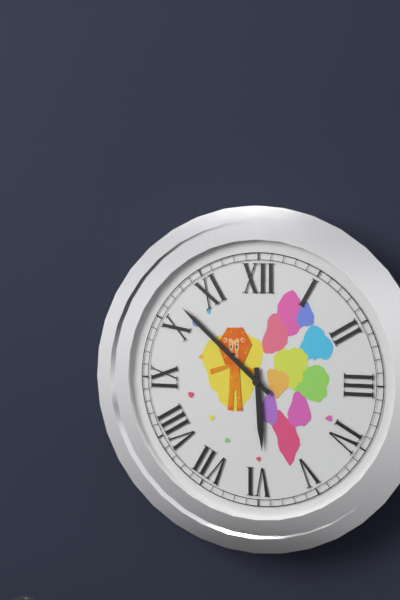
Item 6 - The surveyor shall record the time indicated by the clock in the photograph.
5:52
